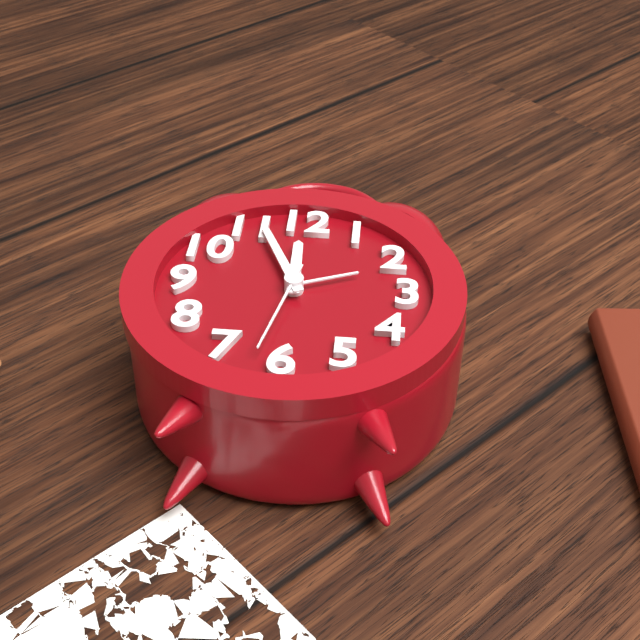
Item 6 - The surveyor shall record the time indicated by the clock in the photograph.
11:56:32
